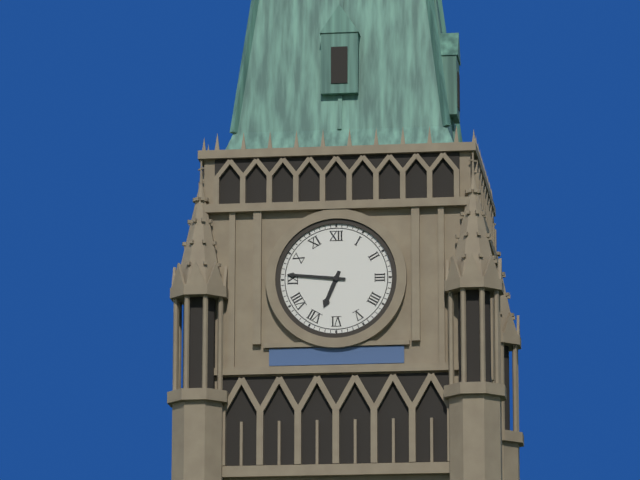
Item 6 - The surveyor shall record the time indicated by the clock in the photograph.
6:46
